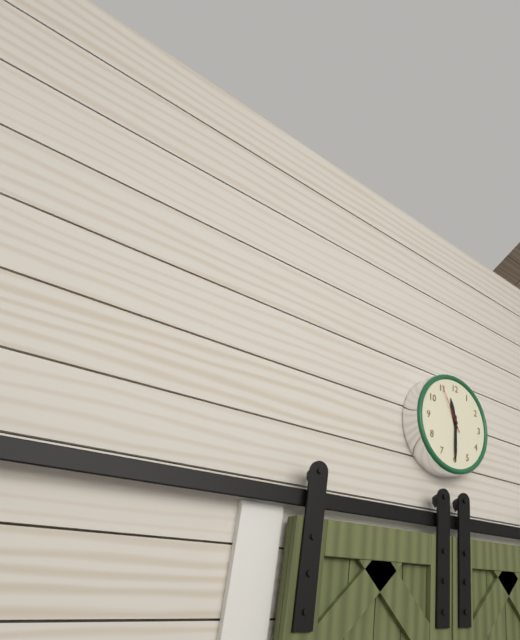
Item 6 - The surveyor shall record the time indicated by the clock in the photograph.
11:30:55
